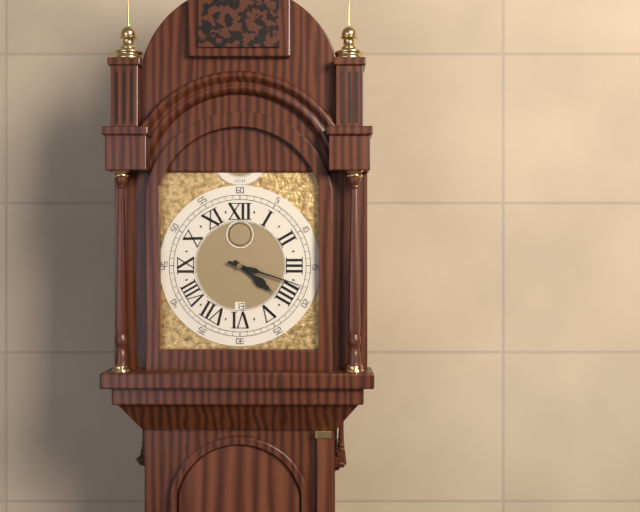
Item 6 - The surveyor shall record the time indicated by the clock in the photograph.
4:18
